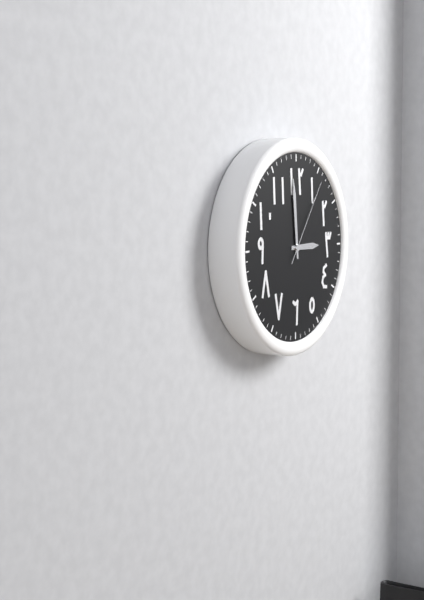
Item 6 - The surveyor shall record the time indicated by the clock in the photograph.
2:59:06
